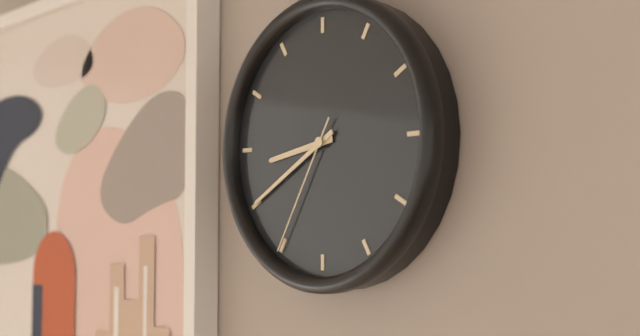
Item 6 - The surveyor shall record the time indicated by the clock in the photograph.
8:40:35
